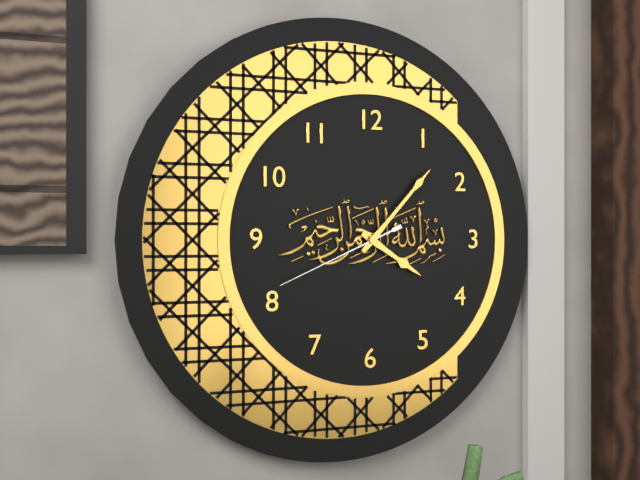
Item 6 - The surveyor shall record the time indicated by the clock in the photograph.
4:07:41
